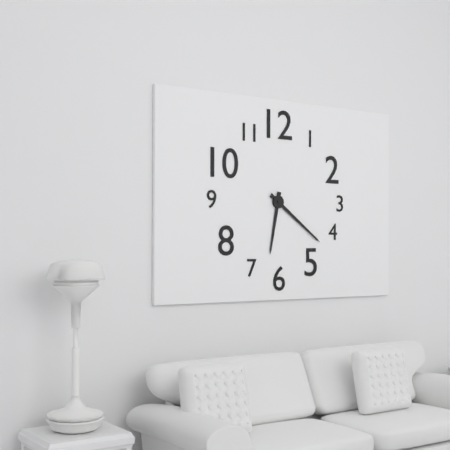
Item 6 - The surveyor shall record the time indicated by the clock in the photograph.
6:21
